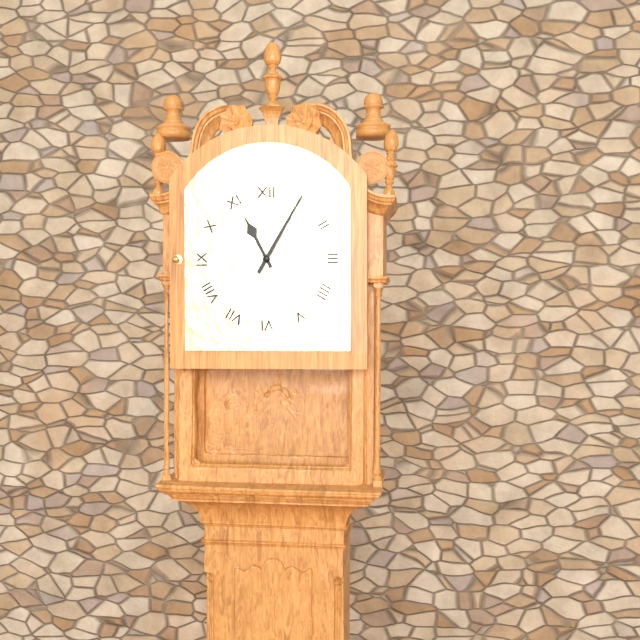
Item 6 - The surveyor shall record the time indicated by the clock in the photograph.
11:05
